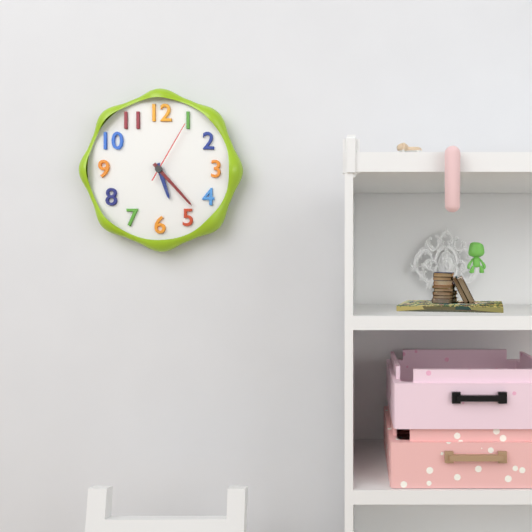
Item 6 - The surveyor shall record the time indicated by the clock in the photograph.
5:23:05
